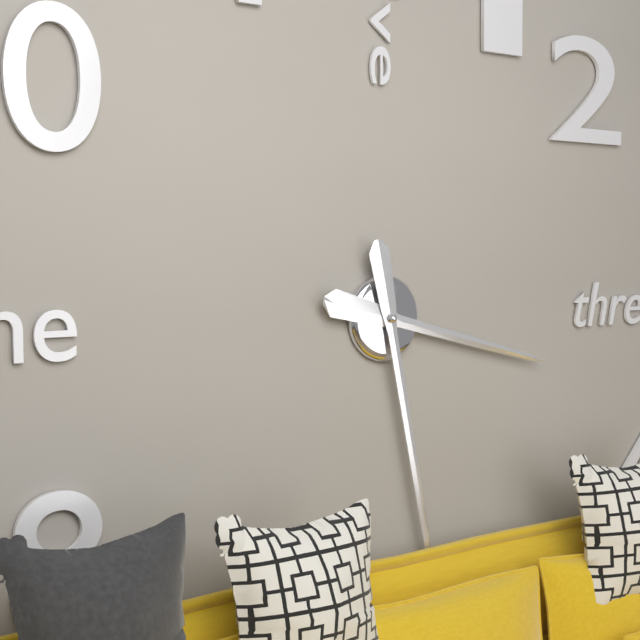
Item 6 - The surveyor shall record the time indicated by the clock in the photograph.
3:28
